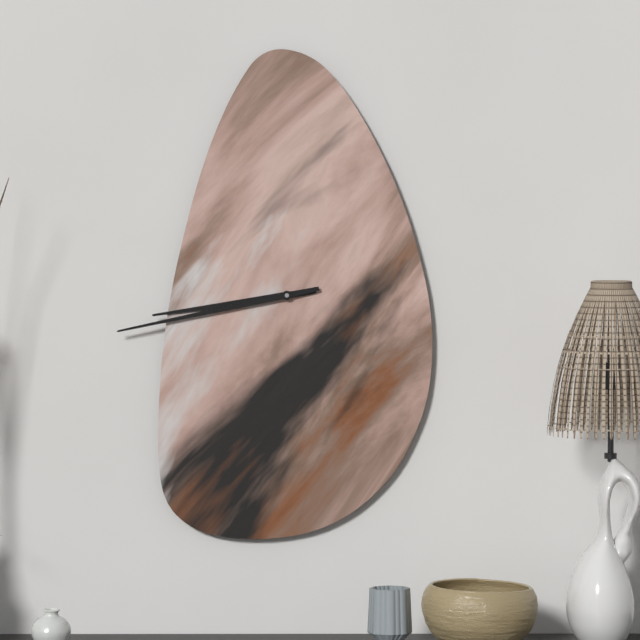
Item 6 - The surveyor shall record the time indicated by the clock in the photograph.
8:43
